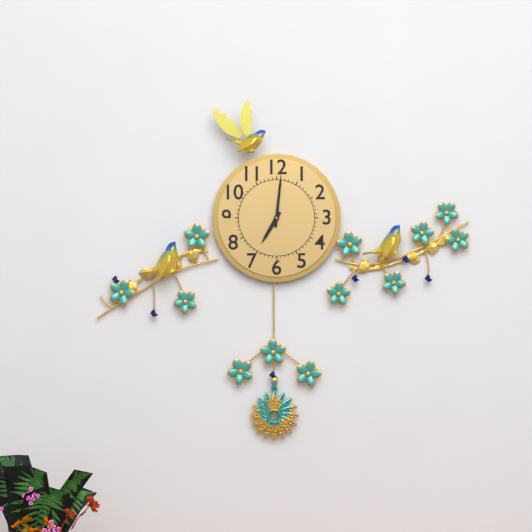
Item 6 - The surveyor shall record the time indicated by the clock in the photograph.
7:01
